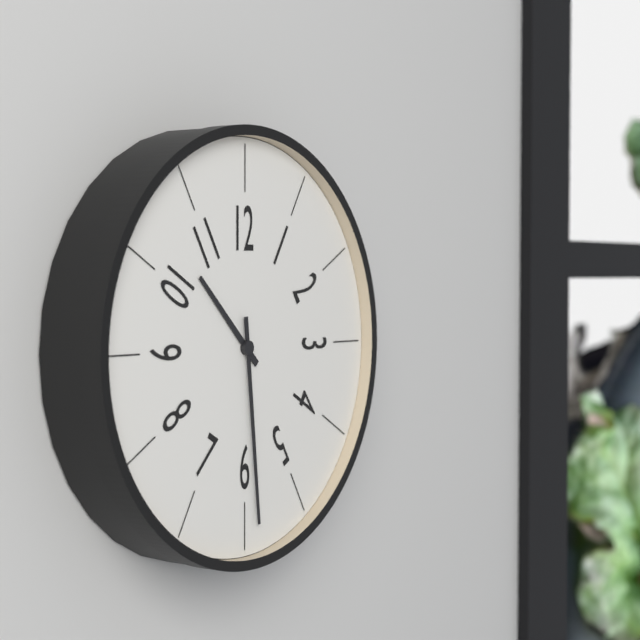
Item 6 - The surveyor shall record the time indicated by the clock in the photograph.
10:29
